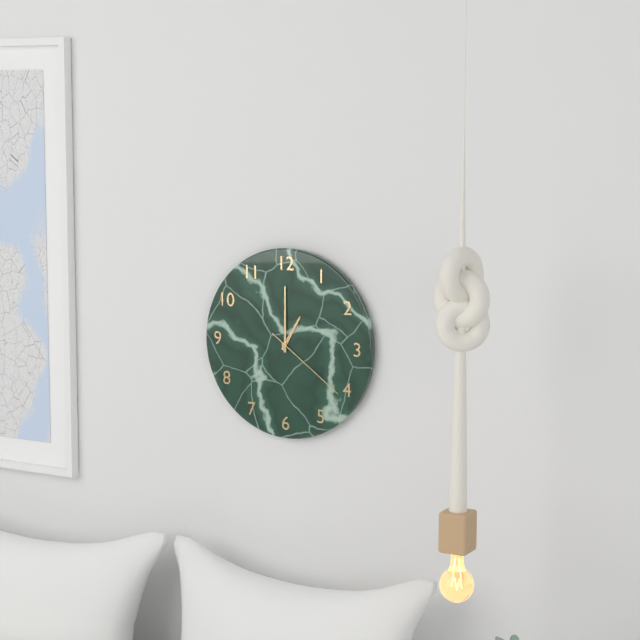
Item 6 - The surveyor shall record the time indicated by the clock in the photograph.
1:00:21
